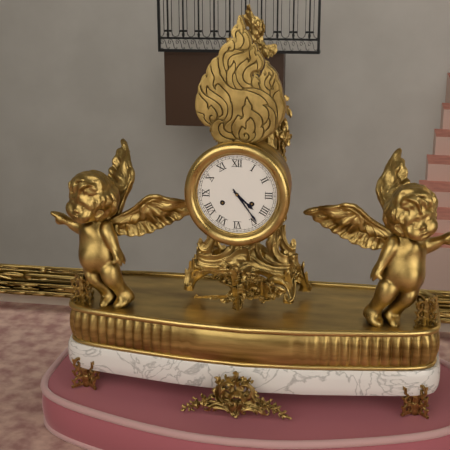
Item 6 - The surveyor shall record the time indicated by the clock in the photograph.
4:24
